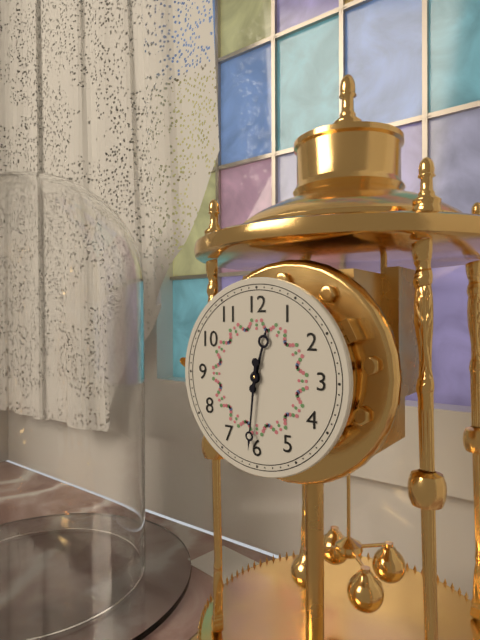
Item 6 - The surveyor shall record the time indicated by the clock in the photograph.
12:31
